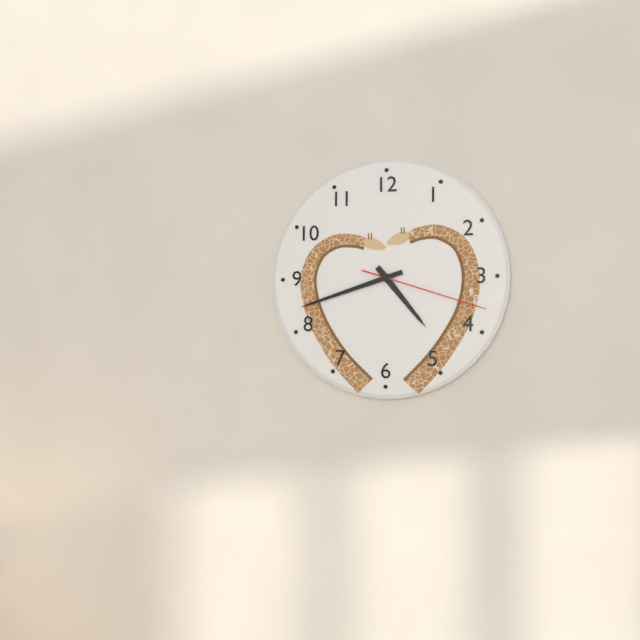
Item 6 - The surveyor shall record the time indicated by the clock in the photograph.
4:42:18
